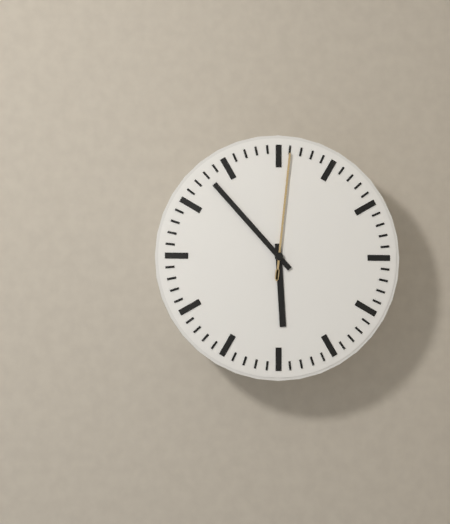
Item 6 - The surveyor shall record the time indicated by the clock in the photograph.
5:53:01
